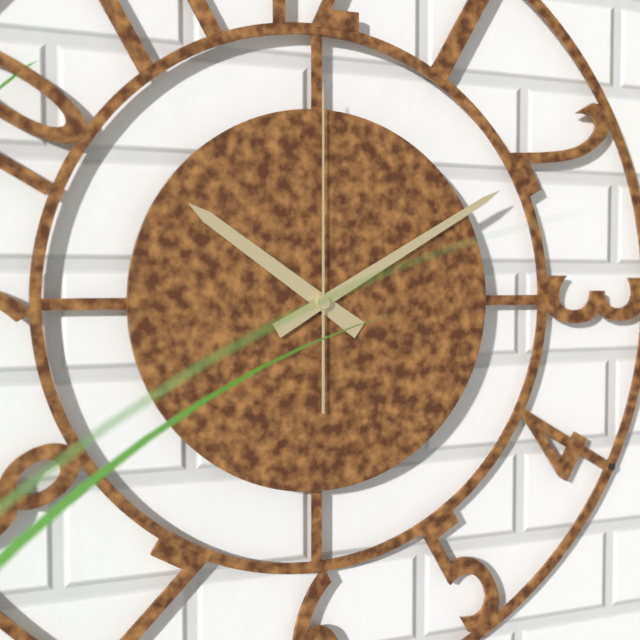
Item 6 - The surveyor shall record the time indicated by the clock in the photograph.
10:10:00
